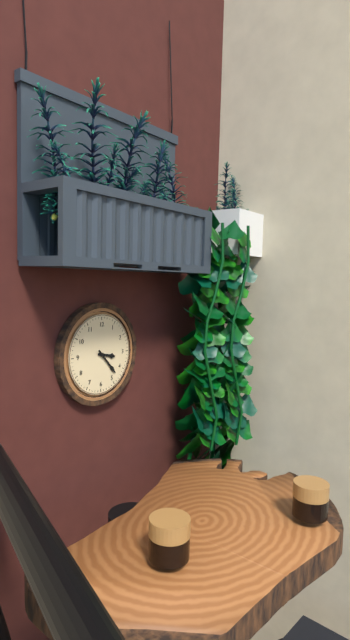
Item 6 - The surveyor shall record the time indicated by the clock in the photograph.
3:23
